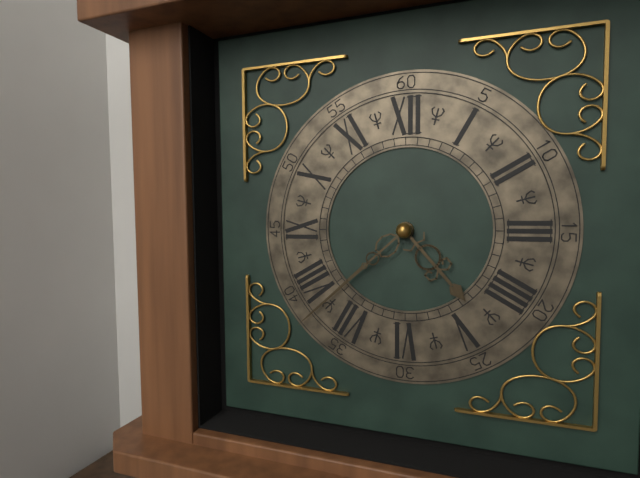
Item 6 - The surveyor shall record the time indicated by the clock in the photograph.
4:38
